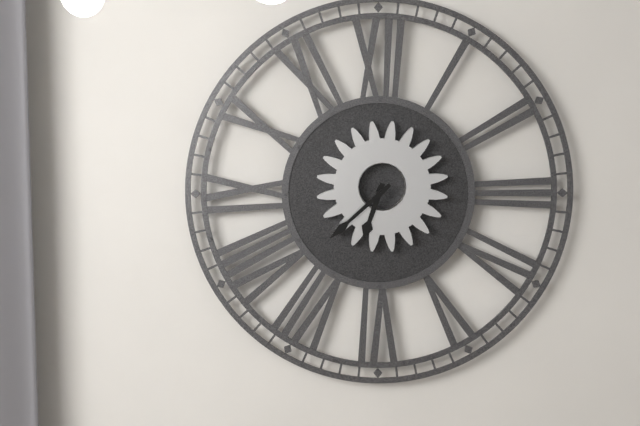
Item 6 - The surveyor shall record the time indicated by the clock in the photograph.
6:38
